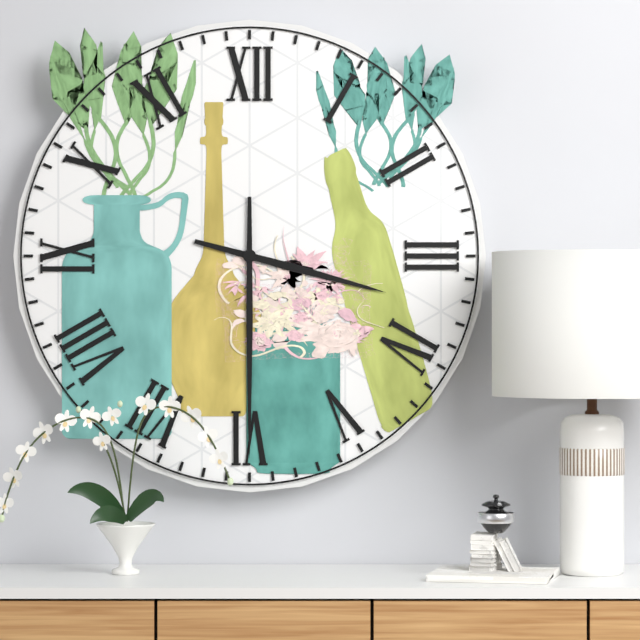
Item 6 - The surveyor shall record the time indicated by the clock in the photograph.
3:30
